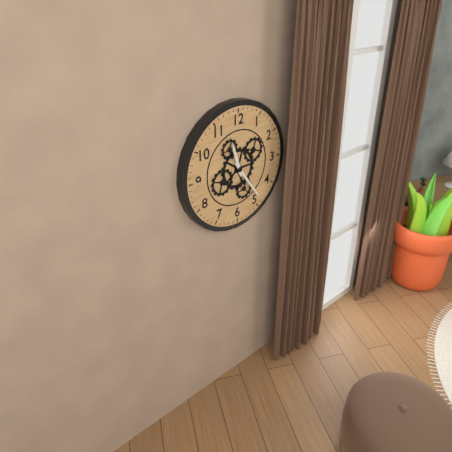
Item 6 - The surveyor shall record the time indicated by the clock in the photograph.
11:24
